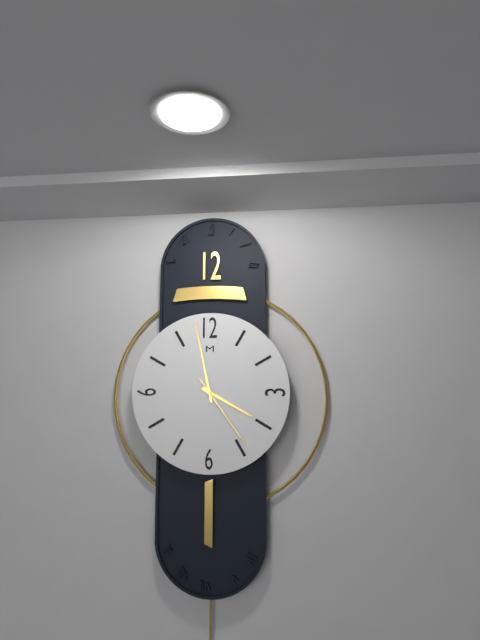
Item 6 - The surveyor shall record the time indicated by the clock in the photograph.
3:58:24
